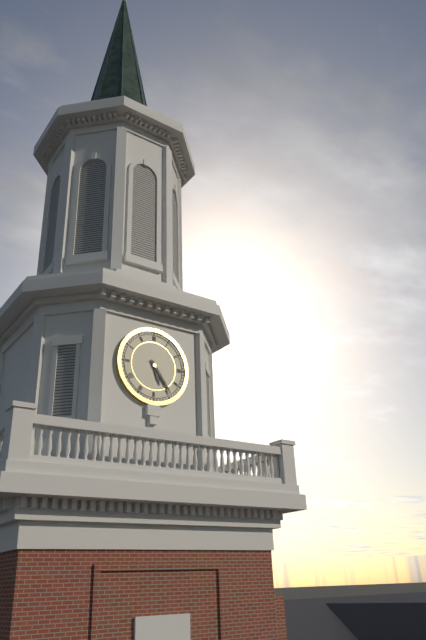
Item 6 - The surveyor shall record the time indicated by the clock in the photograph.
5:24
